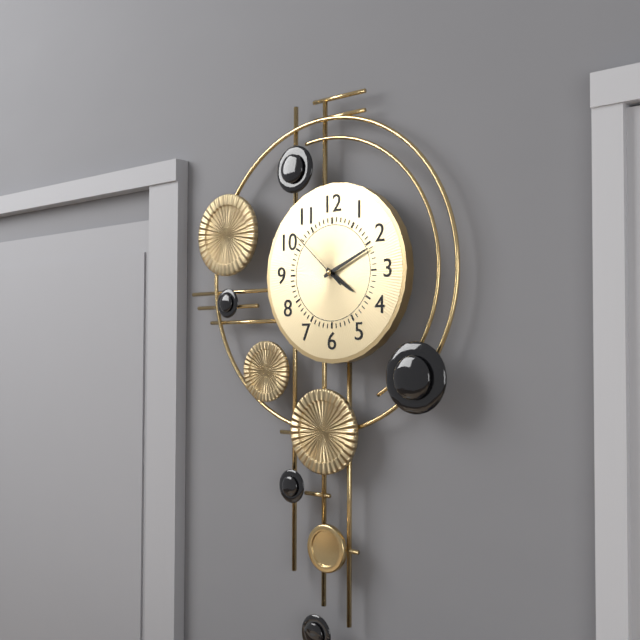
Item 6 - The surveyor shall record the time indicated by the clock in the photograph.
4:11:52
